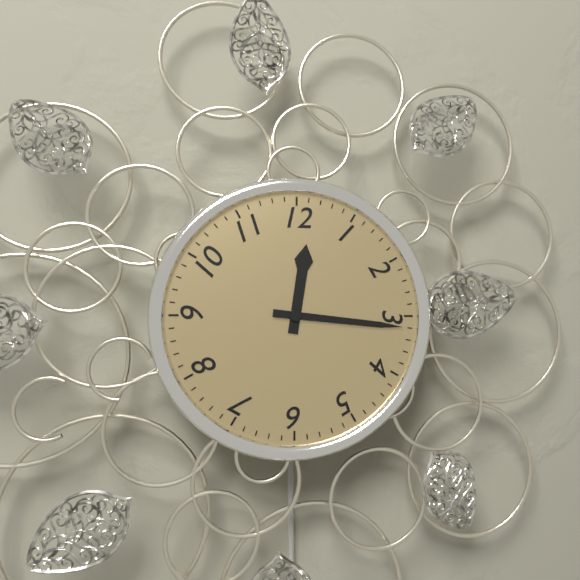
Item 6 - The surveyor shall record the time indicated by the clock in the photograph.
12:16
